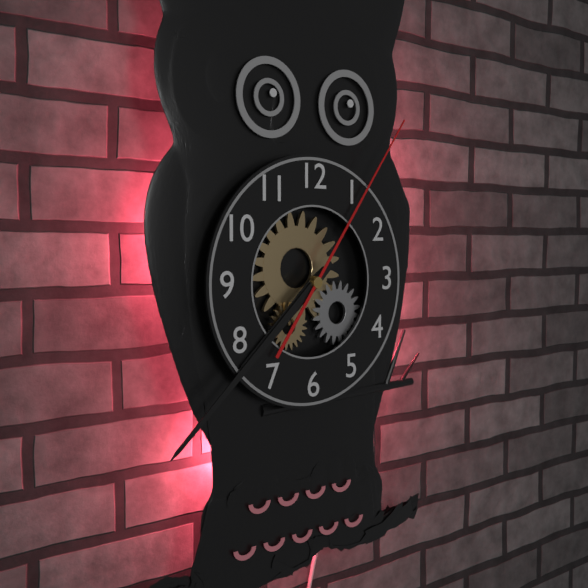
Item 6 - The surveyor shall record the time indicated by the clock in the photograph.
7:38:06
